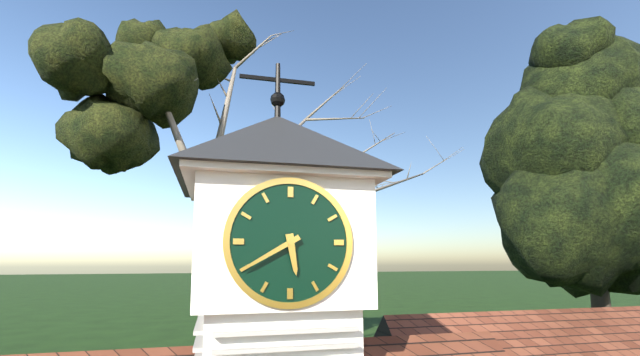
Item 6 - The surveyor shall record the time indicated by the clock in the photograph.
5:40
